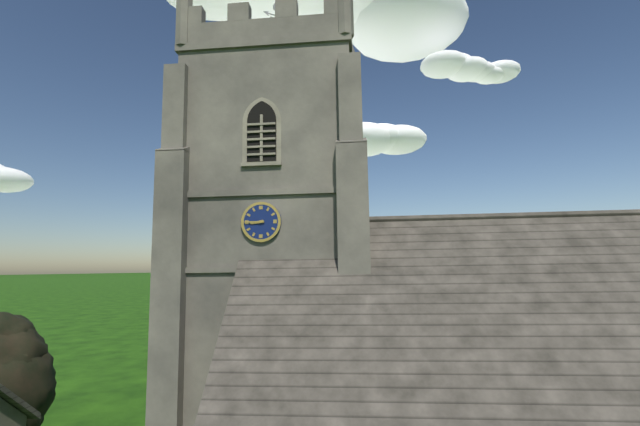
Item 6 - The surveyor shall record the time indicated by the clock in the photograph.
8:45
